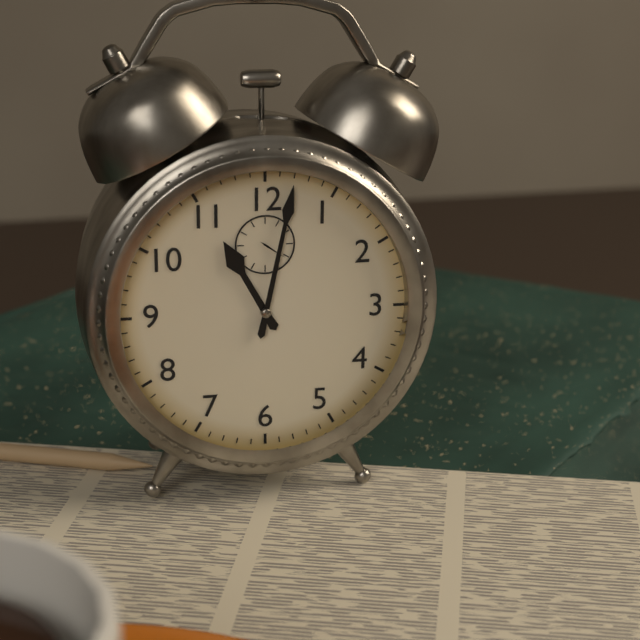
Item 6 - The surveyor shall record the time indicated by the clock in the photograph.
11:02
